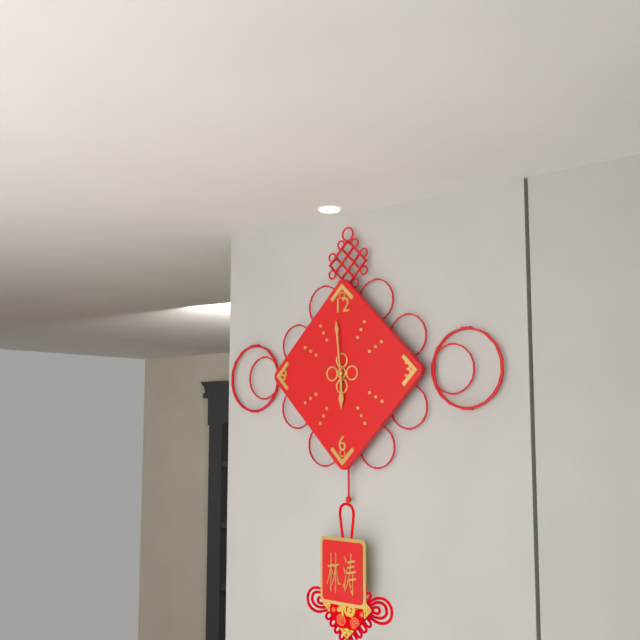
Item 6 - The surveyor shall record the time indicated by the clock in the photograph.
5:59
